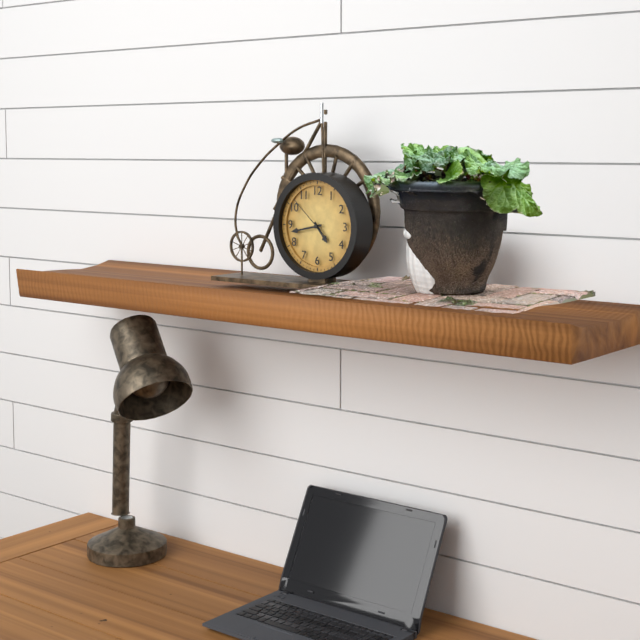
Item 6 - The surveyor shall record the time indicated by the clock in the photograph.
4:43
